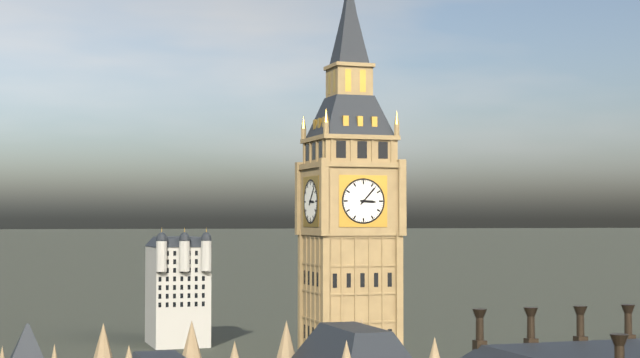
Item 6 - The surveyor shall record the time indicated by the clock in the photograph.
3:07
